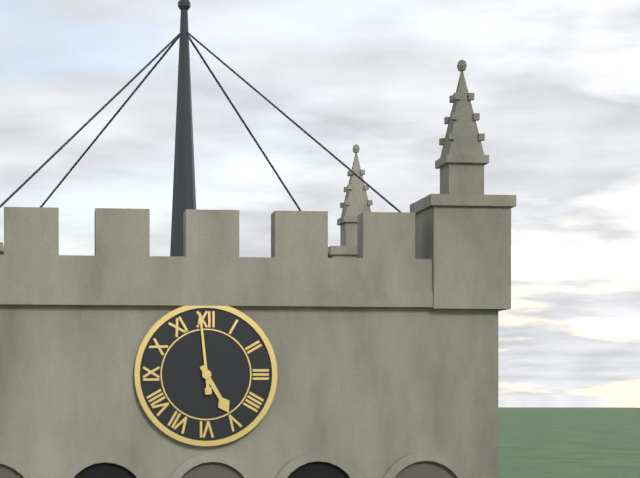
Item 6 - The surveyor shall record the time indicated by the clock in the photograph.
4:59
